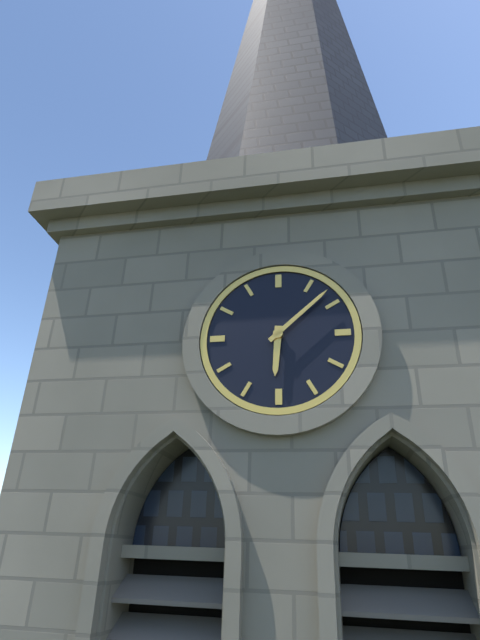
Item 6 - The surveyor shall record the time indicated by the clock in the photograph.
6:08
